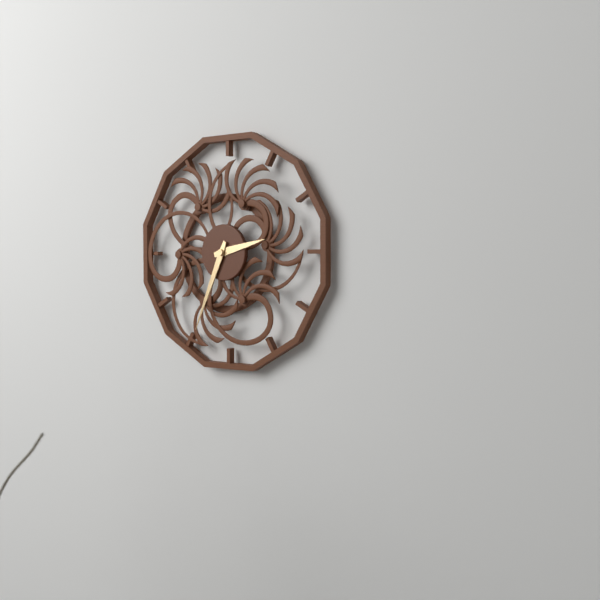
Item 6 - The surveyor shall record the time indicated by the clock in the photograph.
2:34
